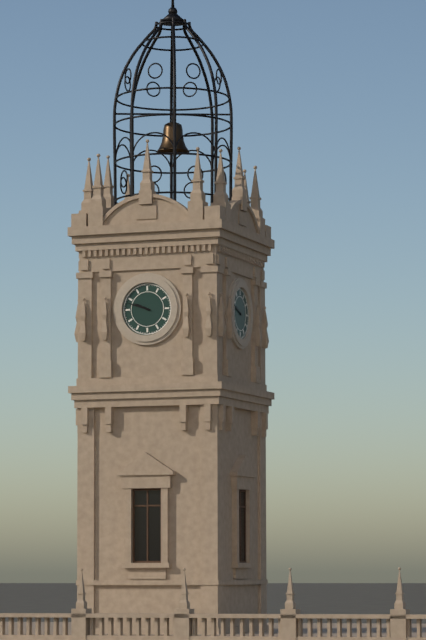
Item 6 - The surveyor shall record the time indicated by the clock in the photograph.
9:48
